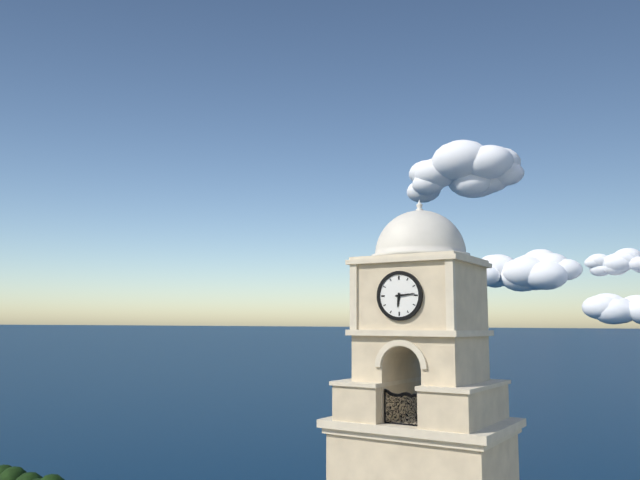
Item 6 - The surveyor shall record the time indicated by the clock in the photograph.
6:14
